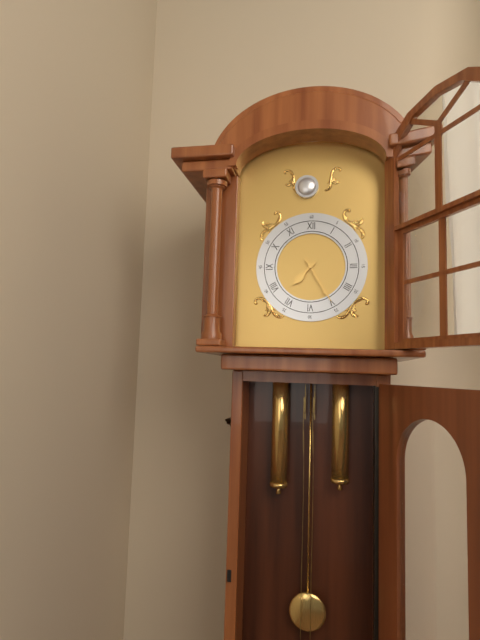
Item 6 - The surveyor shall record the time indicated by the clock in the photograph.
7:25
